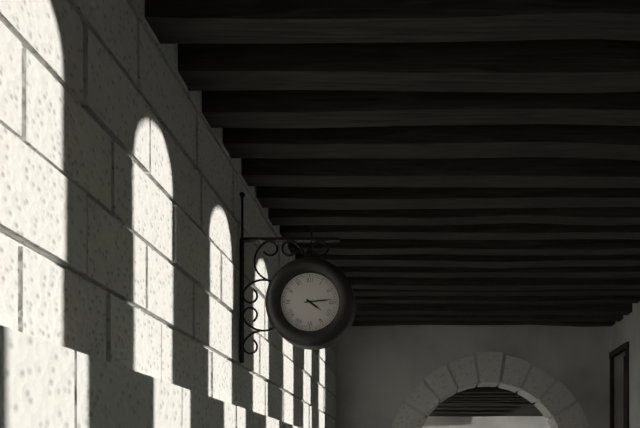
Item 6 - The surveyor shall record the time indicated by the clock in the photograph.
4:14
